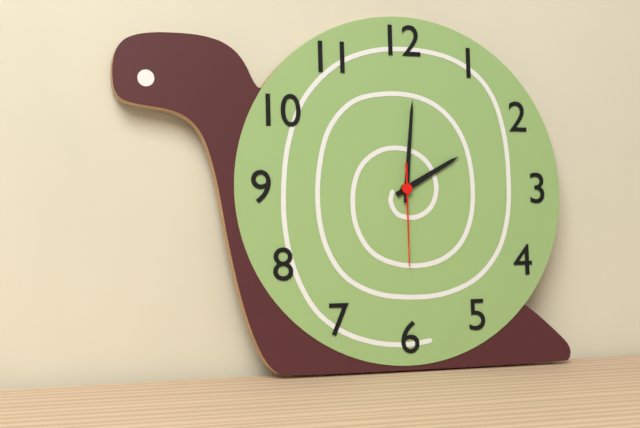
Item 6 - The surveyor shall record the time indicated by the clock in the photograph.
2:01:30
